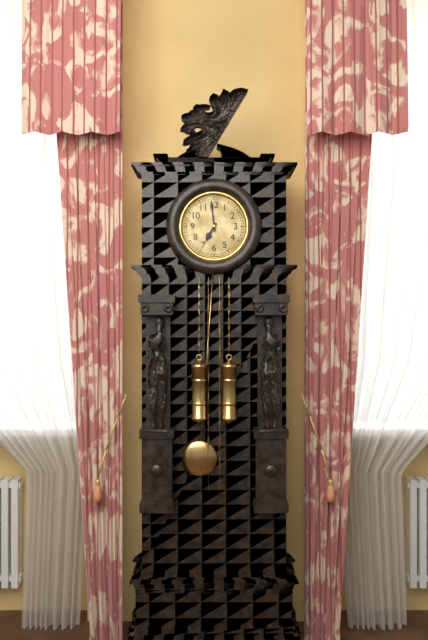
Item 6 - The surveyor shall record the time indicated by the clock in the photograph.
6:59
